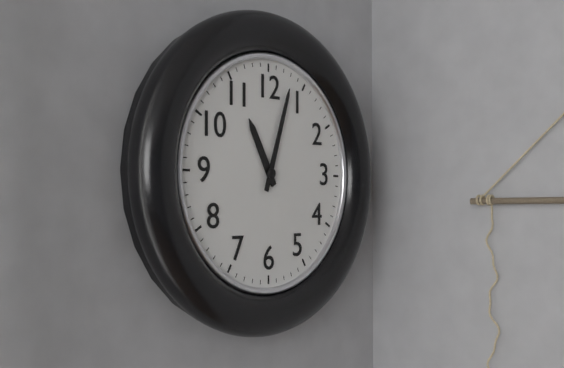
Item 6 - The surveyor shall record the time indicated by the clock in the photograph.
11:03
